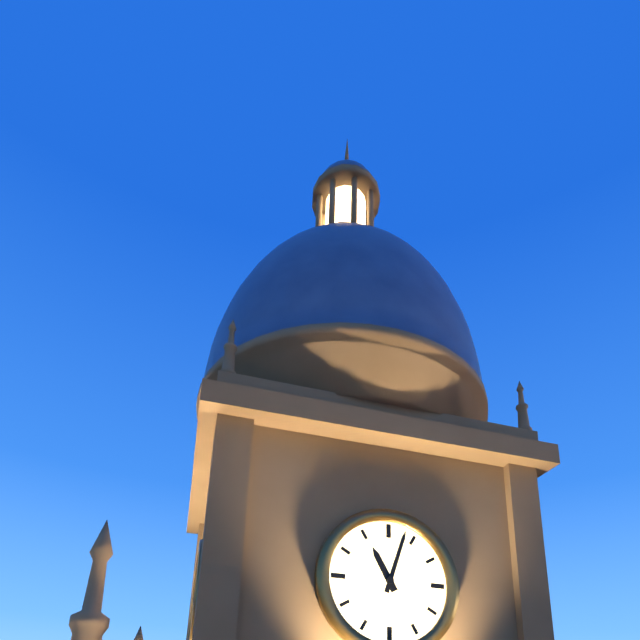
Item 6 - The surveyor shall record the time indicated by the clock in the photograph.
11:03
